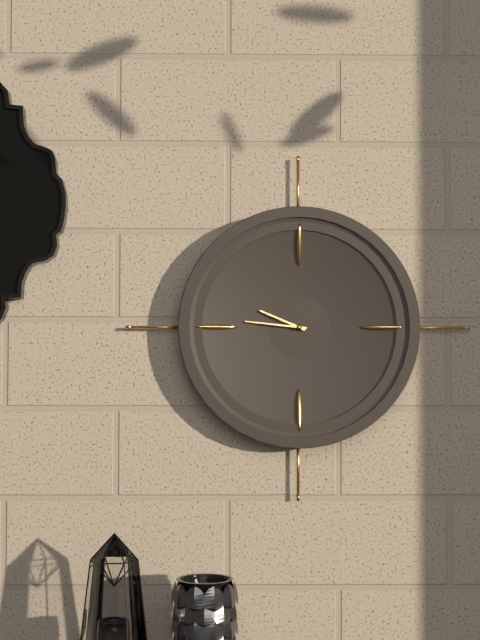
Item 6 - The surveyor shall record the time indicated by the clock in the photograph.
9:46
